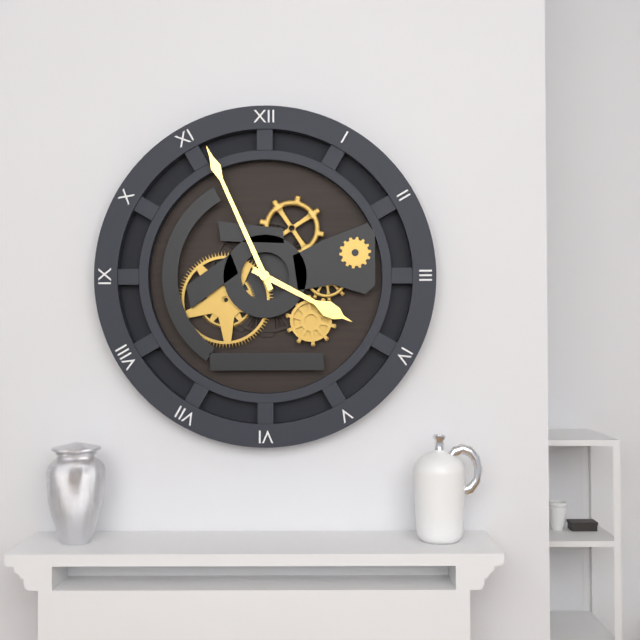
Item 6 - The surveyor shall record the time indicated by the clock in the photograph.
3:56
